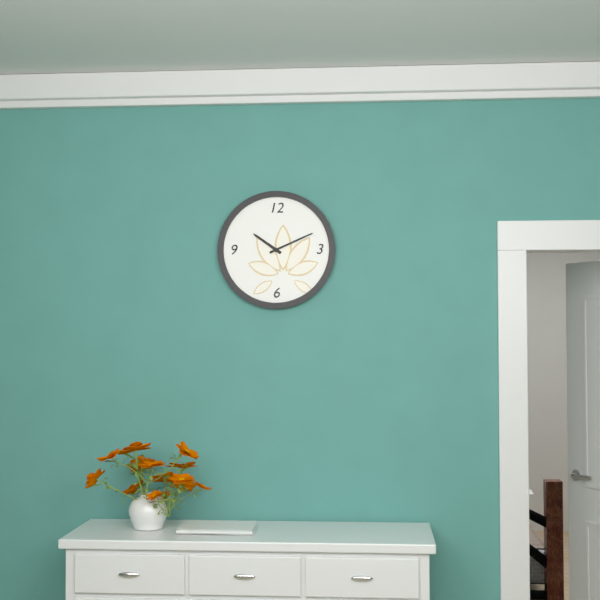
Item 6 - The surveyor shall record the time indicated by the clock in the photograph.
10:11
